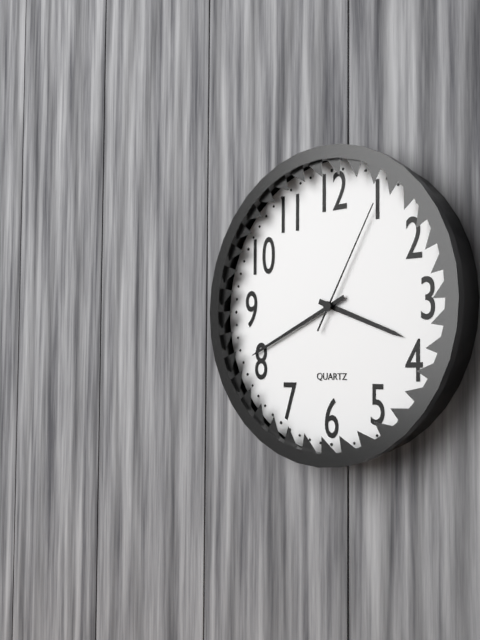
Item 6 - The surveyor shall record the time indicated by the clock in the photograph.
3:41:05
